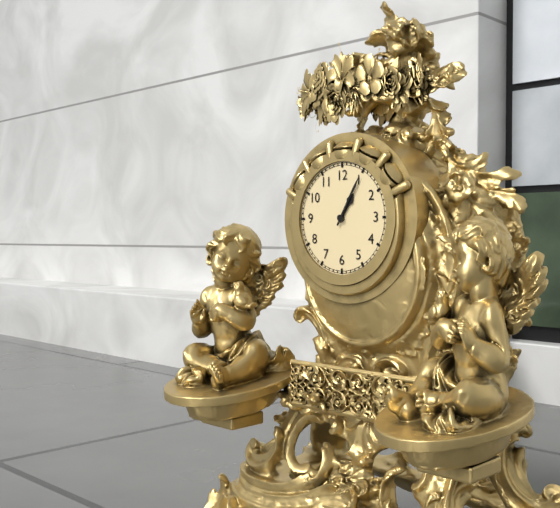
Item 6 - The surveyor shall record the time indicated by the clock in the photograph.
1:05
